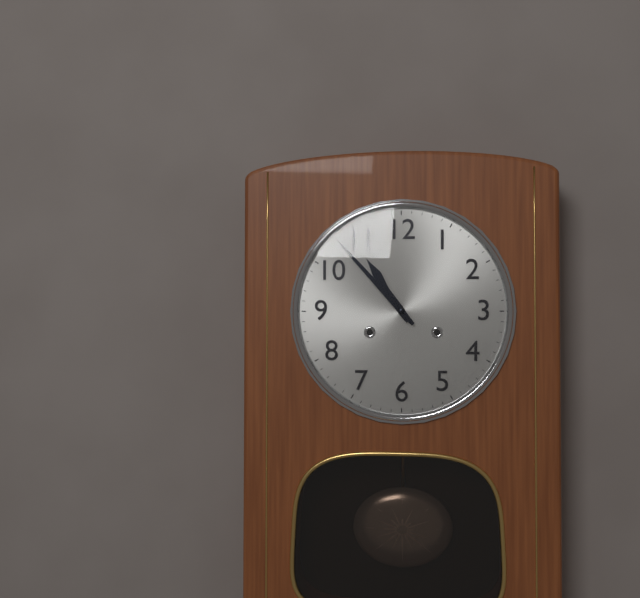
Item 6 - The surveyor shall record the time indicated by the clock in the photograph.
10:53
